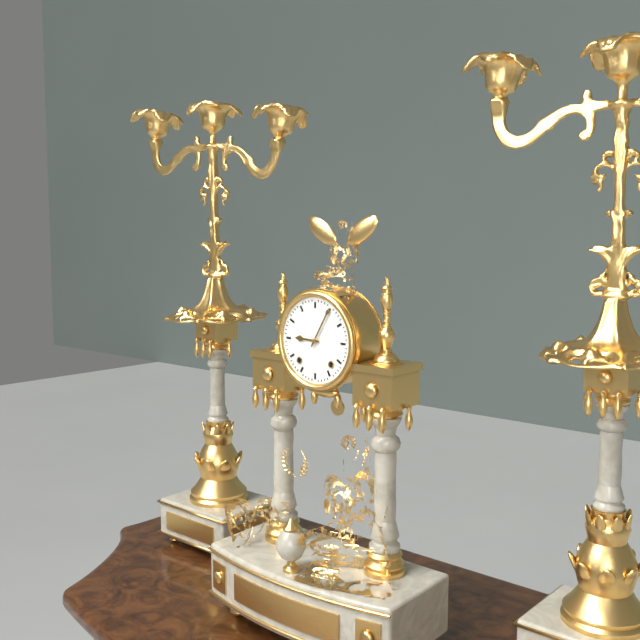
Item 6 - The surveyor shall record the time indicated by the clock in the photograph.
9:05
